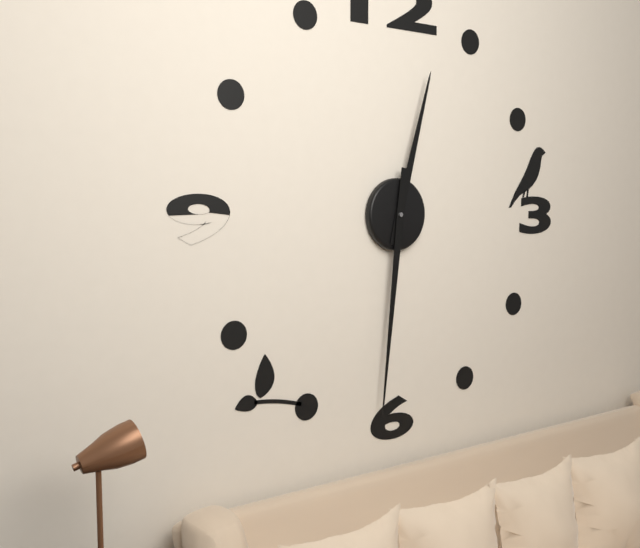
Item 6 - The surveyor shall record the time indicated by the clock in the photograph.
12:31
